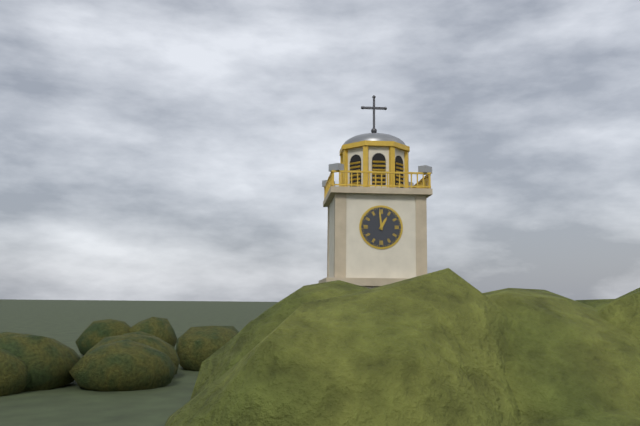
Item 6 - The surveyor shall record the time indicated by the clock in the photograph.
12:59
